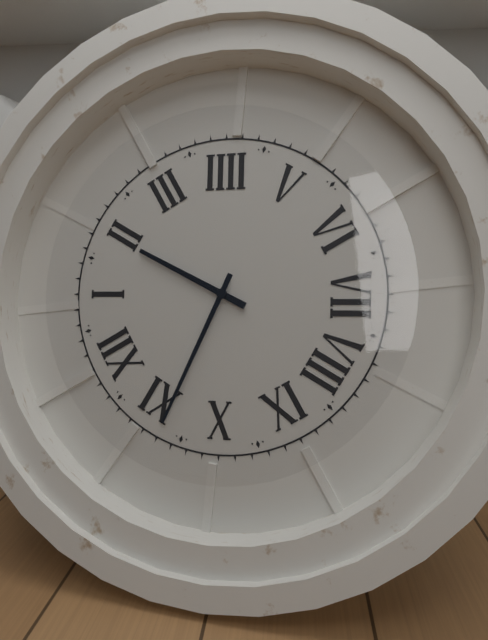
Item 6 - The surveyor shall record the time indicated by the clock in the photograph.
1:54
